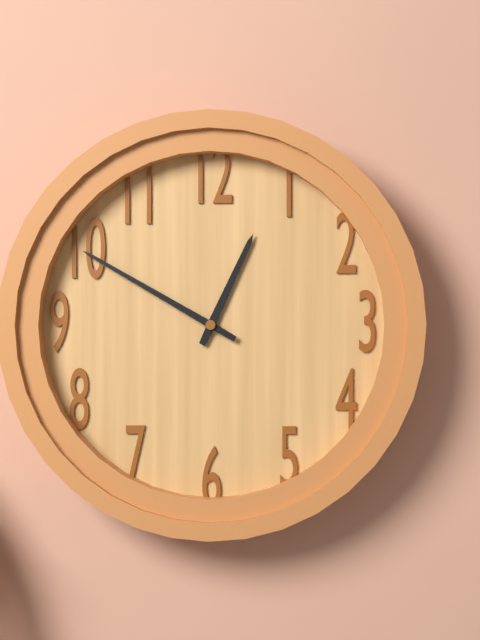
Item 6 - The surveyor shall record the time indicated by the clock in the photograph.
12:50
